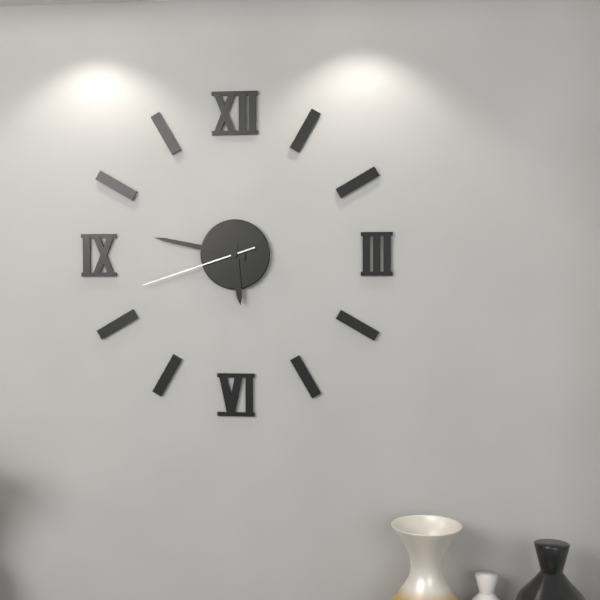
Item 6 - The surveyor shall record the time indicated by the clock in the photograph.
5:47:42
